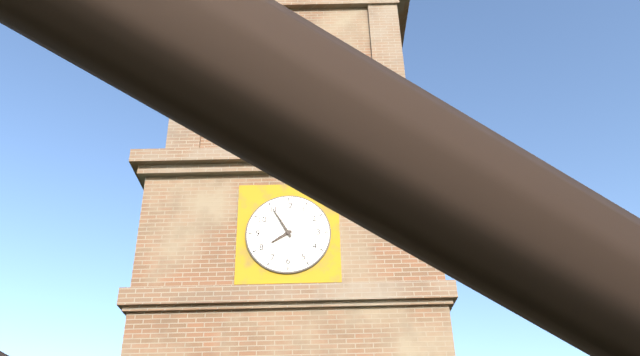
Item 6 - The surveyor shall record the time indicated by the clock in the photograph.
7:55
